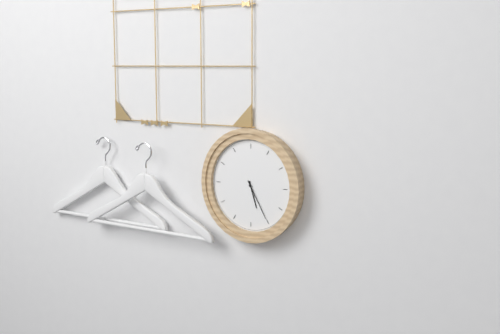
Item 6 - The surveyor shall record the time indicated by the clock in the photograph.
5:25
